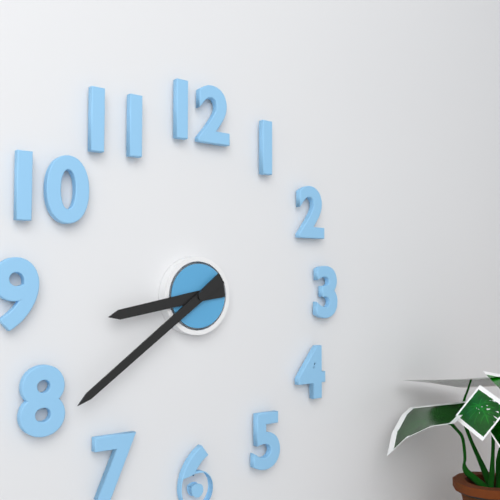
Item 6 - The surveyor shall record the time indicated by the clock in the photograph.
8:39
